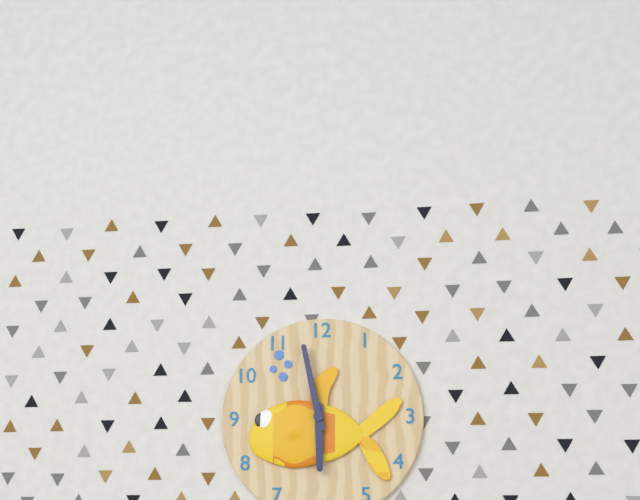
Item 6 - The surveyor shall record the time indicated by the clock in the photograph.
5:58
